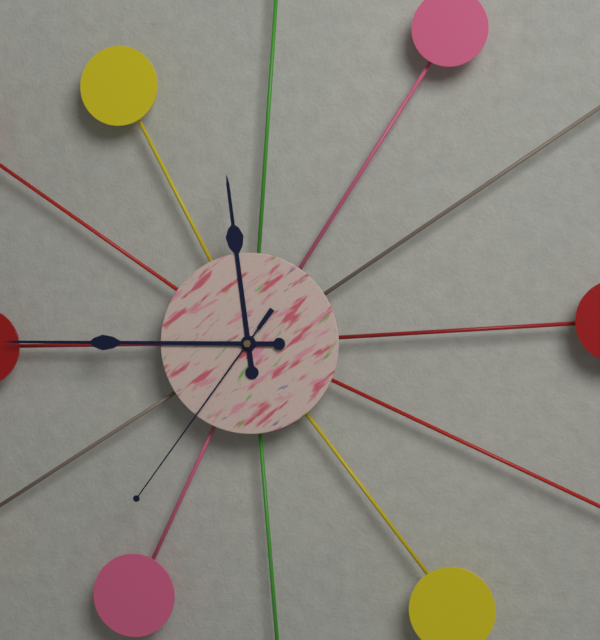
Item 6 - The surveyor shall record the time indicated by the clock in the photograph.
11:45:36
